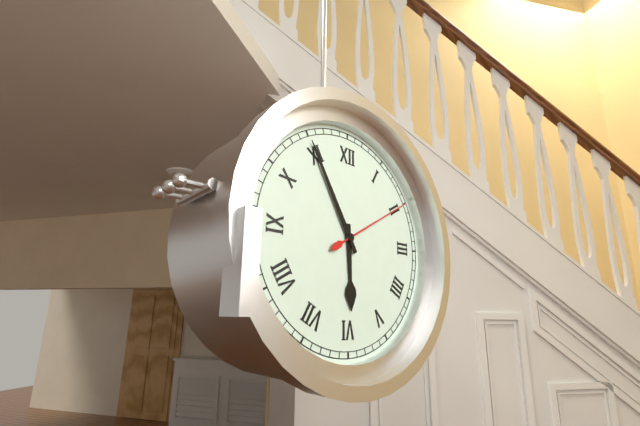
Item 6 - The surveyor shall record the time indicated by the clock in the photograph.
5:55:10
